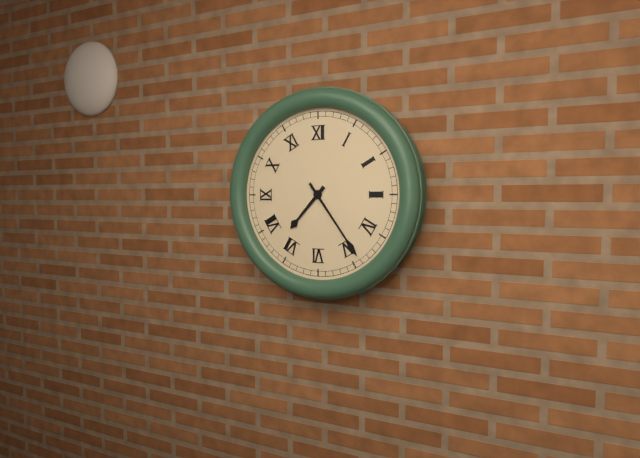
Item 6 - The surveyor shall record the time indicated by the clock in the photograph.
7:24
